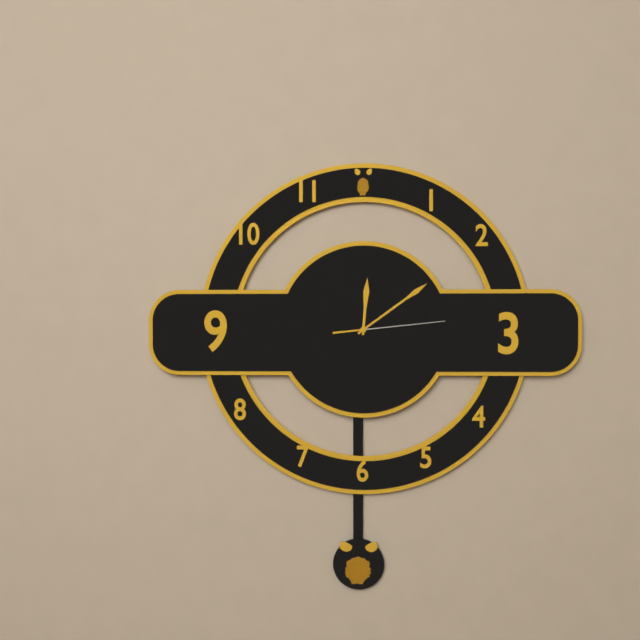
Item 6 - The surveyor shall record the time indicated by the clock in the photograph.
12:09:14
